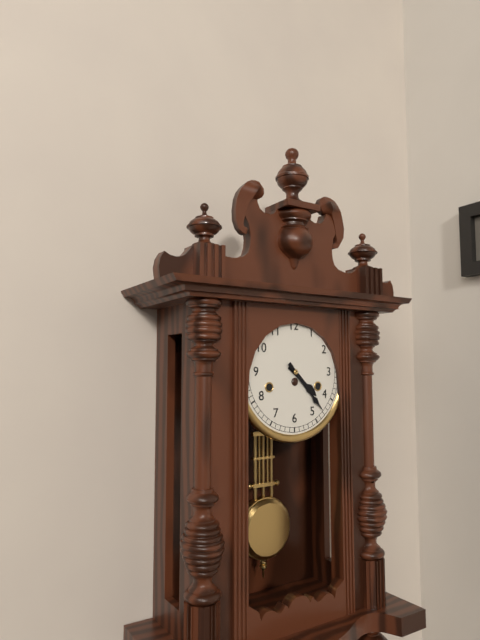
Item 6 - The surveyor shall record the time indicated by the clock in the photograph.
4:23
